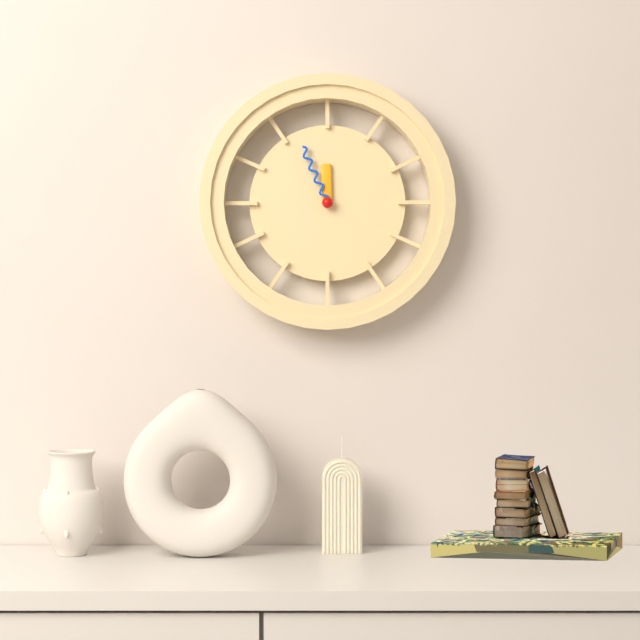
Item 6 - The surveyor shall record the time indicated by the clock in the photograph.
11:56
